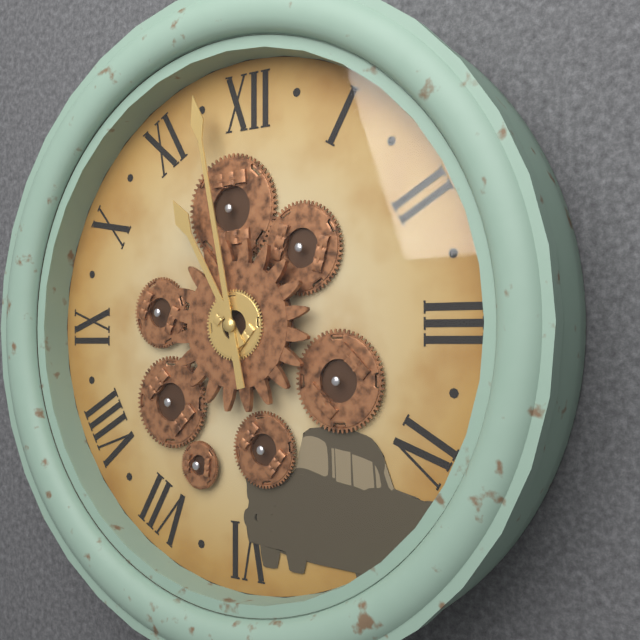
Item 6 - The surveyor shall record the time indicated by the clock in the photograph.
10:58
